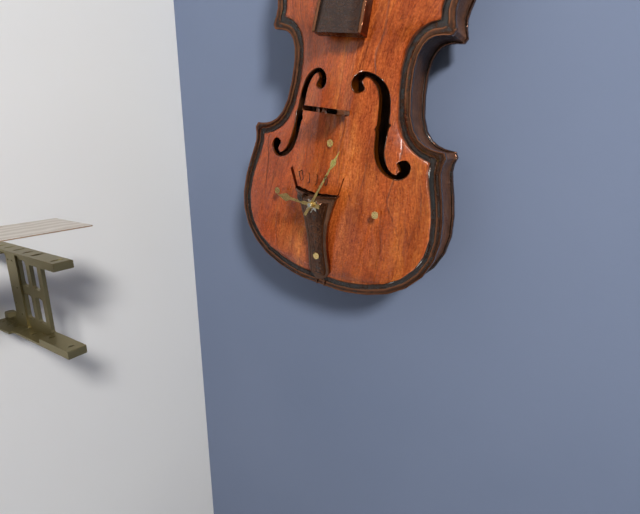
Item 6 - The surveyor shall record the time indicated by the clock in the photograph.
9:04
